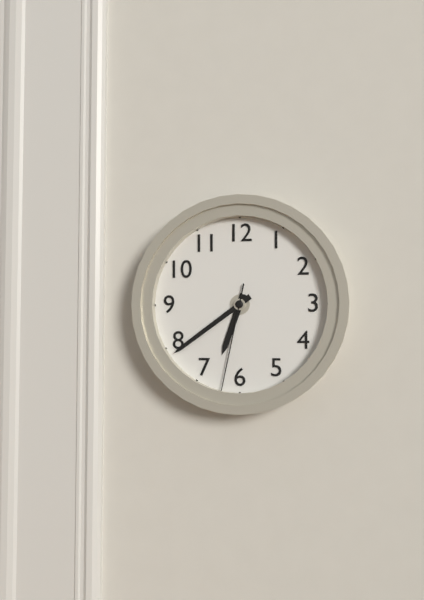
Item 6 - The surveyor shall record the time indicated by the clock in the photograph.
6:39:32
